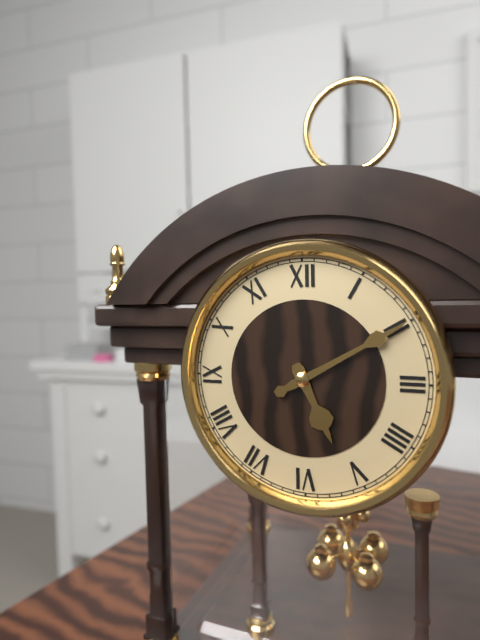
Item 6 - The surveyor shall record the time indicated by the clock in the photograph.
5:10
